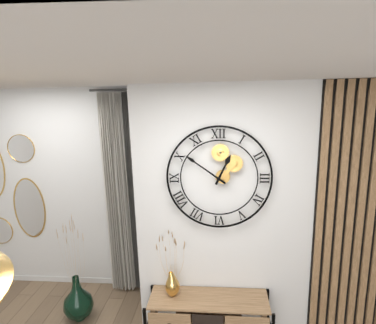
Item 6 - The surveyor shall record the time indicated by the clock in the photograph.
12:51
